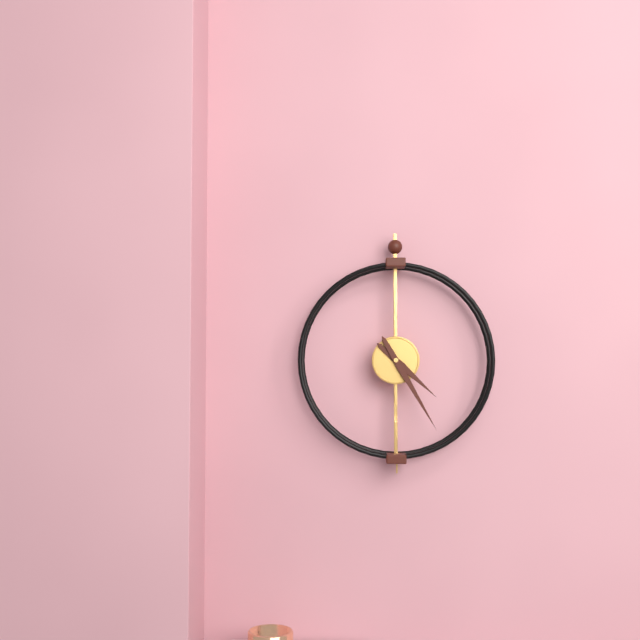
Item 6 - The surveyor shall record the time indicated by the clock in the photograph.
4:25
